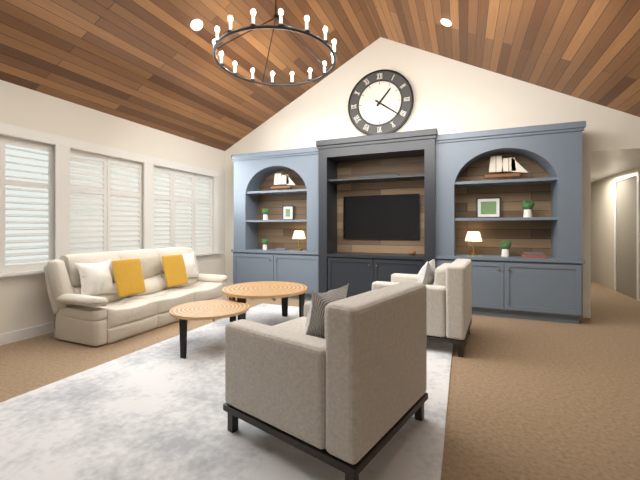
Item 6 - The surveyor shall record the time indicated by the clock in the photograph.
1:21
